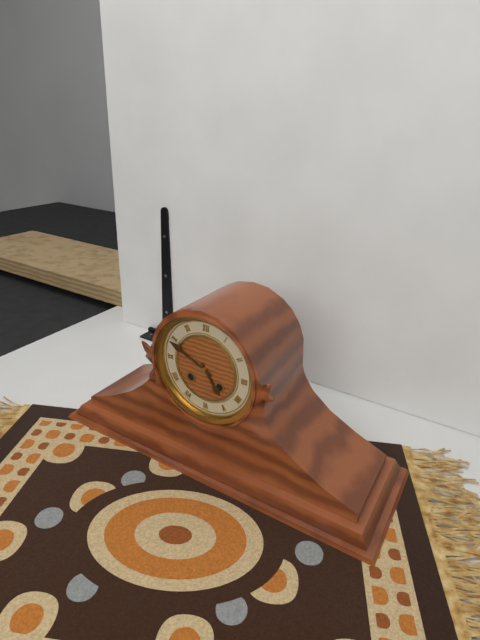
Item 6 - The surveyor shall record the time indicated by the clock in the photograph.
4:49
